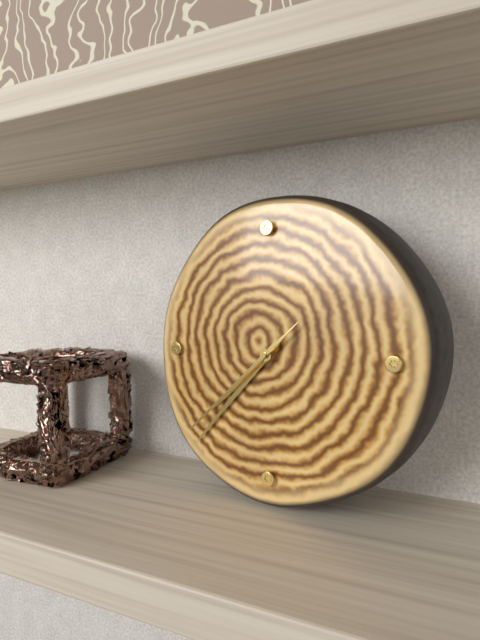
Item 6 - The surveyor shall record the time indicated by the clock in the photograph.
7:37:38
